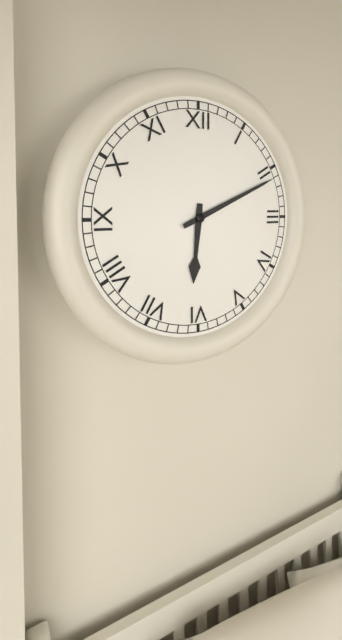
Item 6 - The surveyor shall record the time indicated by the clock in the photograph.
6:11
